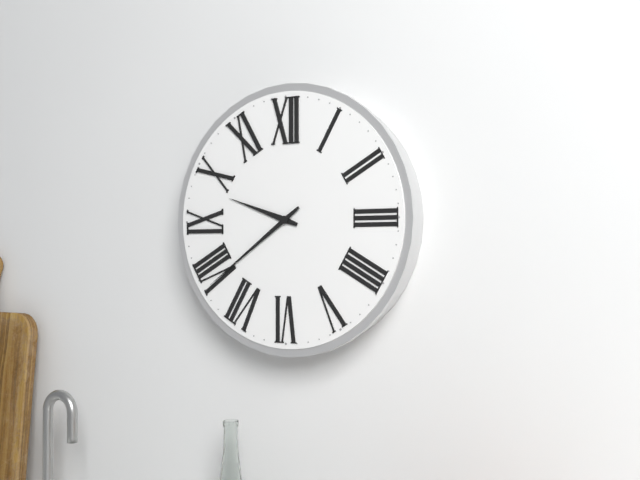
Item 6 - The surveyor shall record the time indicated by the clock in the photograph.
9:39
